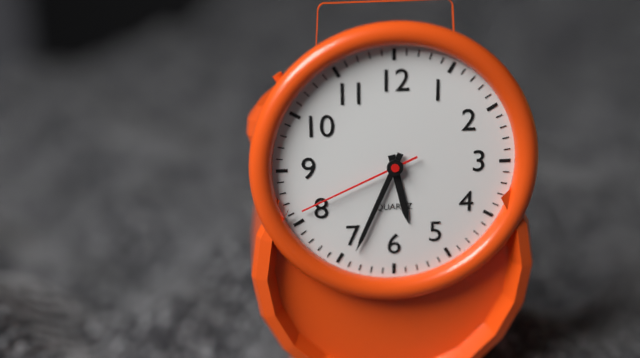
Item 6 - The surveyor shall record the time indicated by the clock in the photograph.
5:34:41
